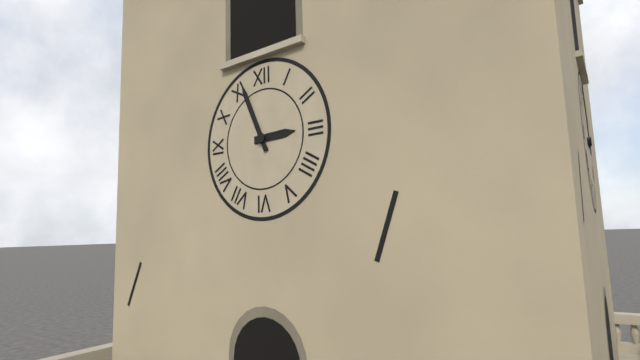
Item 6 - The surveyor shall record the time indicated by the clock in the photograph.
2:56
